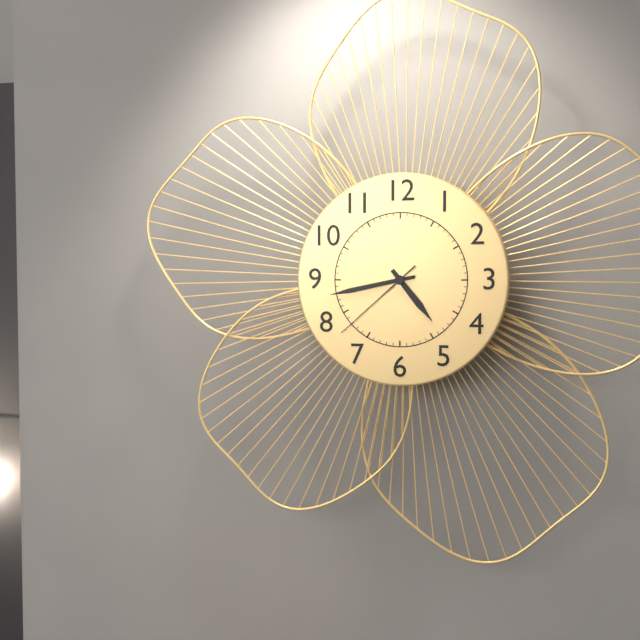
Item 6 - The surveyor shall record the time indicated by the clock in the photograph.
4:43:38
